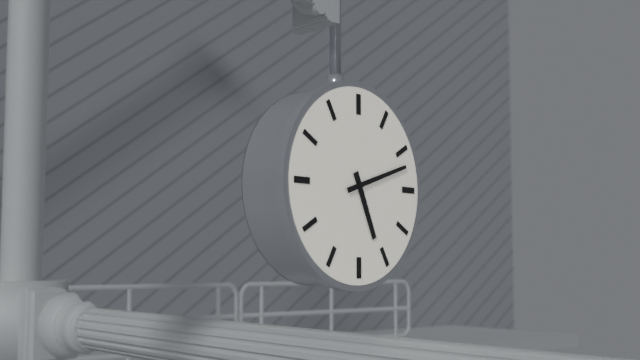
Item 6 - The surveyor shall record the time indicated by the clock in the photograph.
5:12
